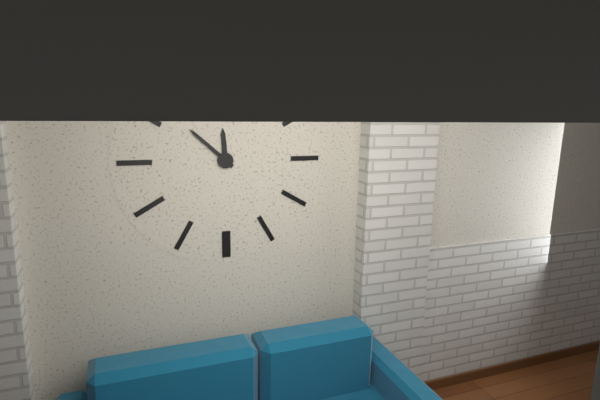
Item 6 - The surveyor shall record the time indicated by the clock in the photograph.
11:52
